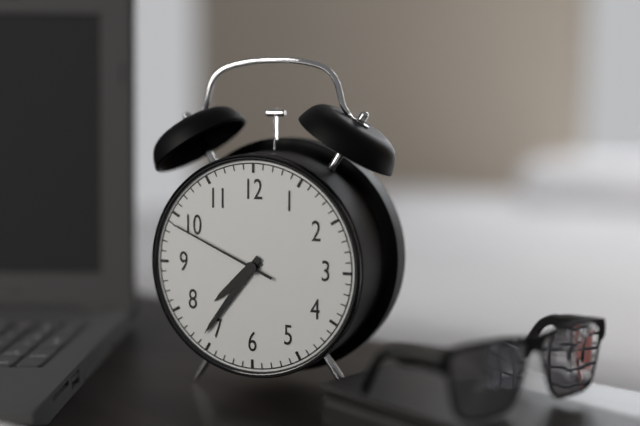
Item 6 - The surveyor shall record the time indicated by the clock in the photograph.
7:36:49
